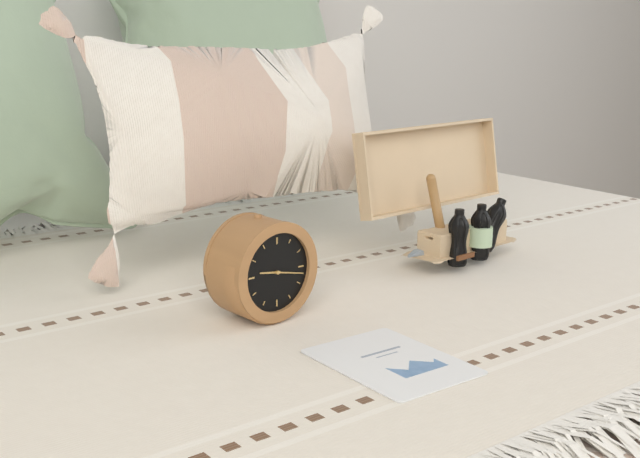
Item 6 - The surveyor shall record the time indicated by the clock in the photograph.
9:17
